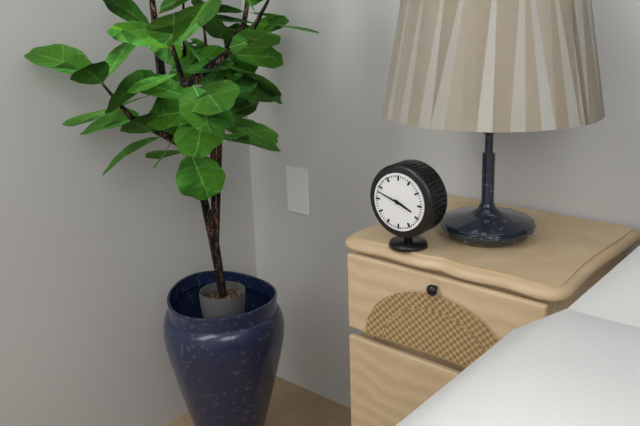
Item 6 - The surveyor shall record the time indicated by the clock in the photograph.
3:48
